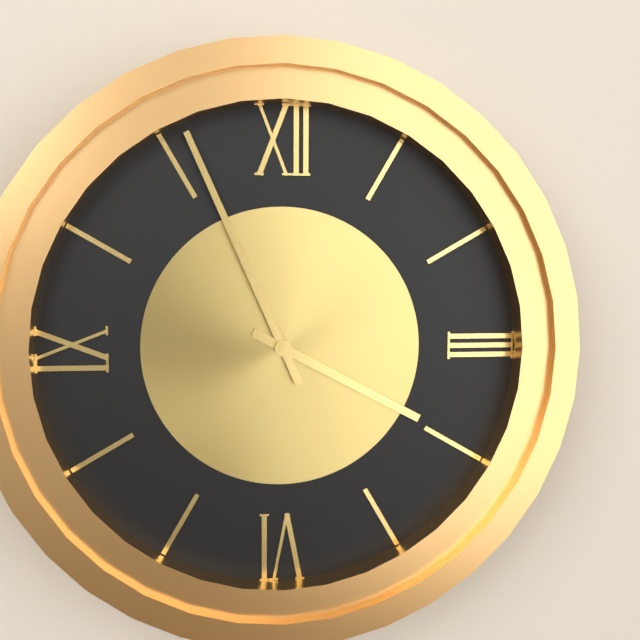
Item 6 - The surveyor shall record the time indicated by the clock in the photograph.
3:56
